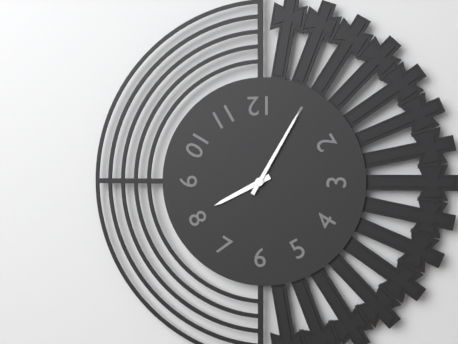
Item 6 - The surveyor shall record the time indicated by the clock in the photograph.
8:05
